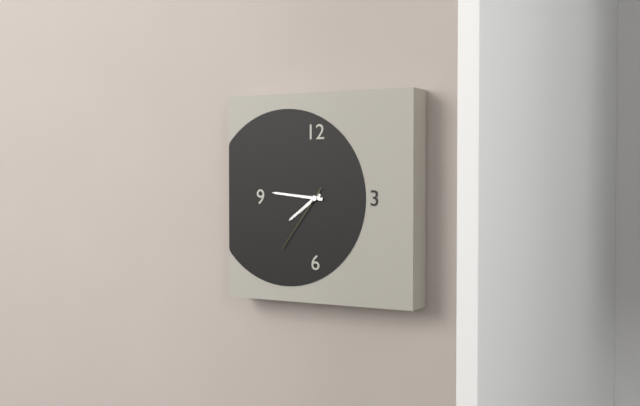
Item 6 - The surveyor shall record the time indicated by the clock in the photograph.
7:46:36
